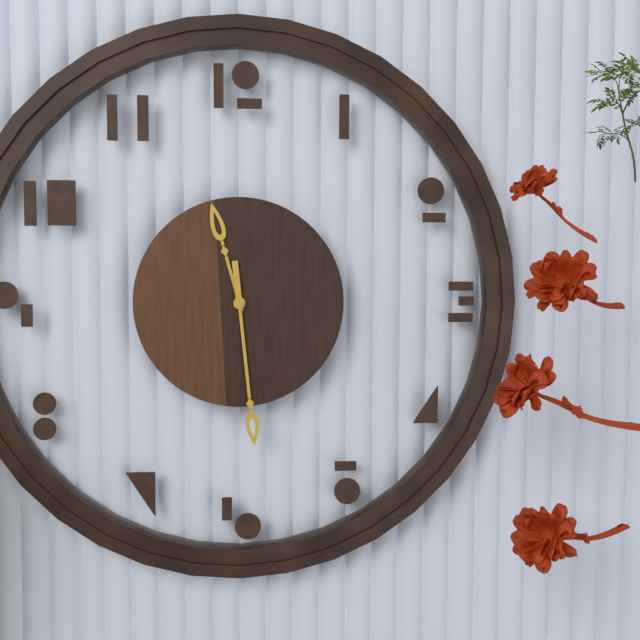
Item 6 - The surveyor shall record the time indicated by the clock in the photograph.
11:29
